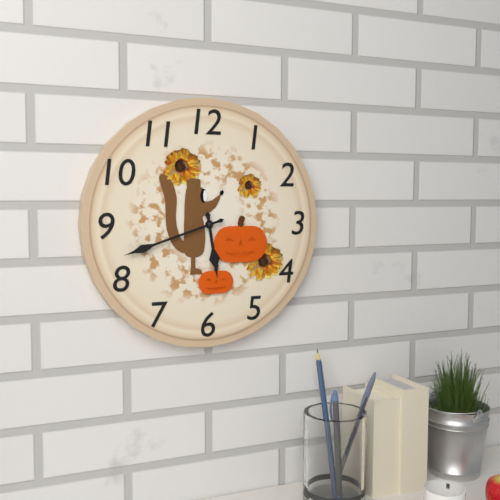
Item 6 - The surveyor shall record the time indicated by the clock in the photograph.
5:42
